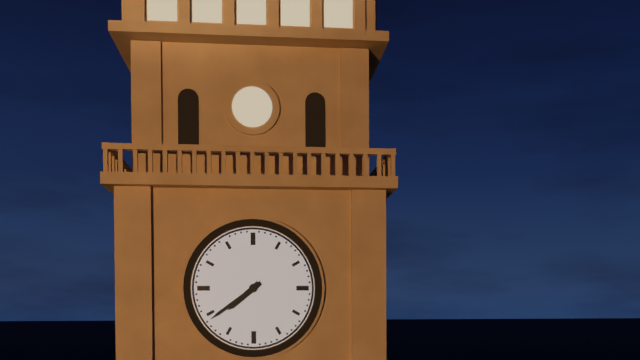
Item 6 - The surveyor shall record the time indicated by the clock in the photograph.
7:39
